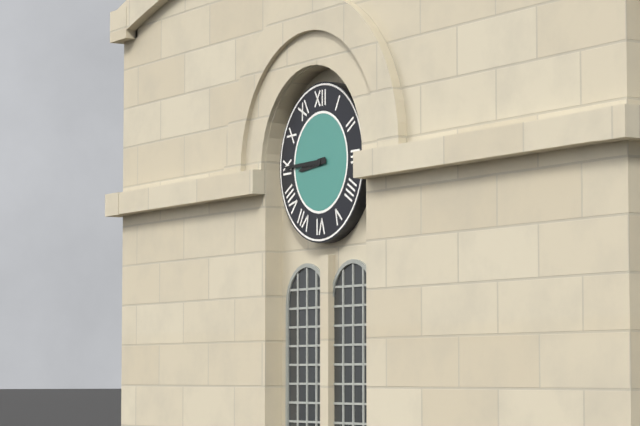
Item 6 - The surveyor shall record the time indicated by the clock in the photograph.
8:45
